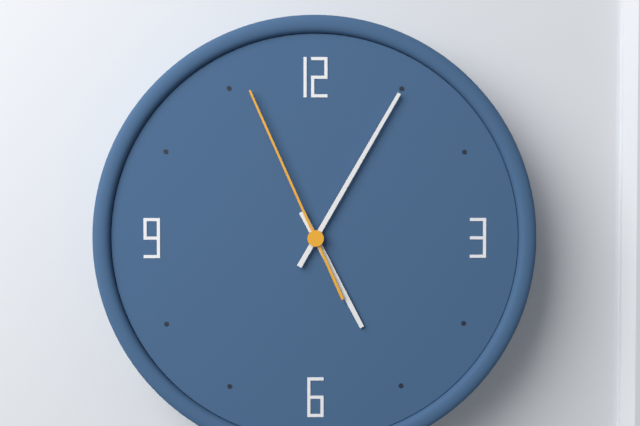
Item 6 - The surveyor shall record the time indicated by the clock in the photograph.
5:05:56
